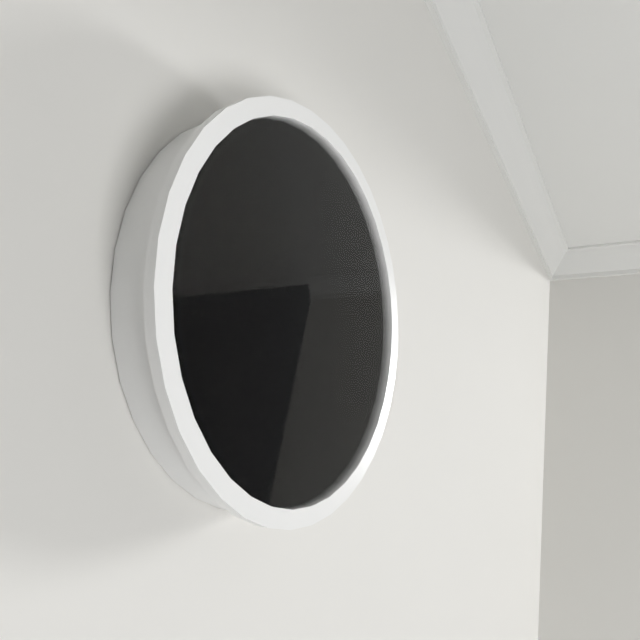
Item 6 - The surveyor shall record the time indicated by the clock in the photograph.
9:02
